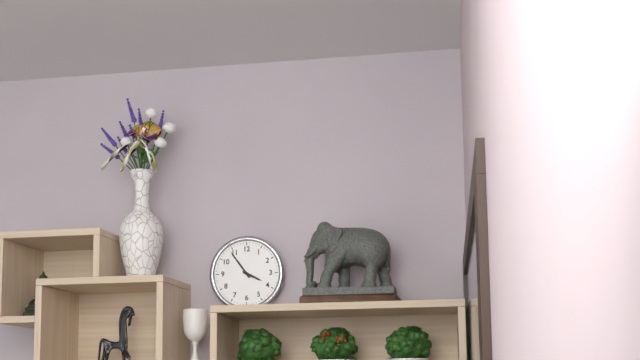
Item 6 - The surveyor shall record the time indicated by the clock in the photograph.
3:54
